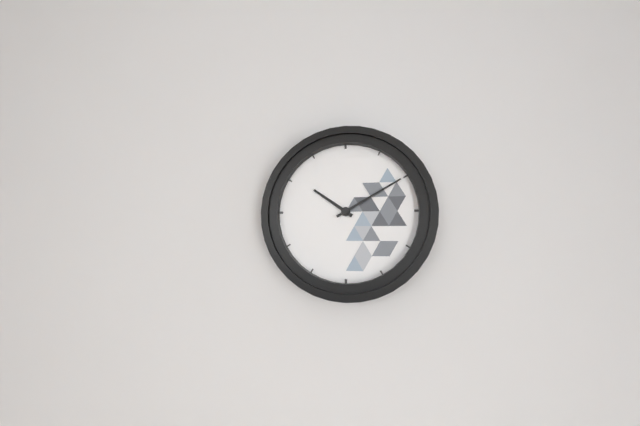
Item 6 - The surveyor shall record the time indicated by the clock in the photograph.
10:10
